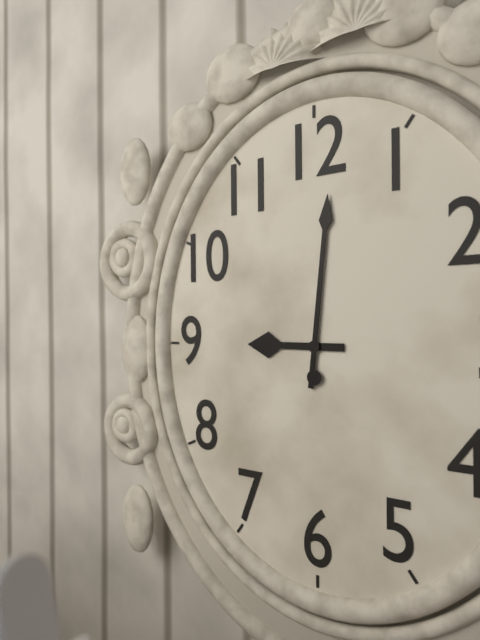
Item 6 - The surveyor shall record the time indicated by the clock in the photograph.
9:01
